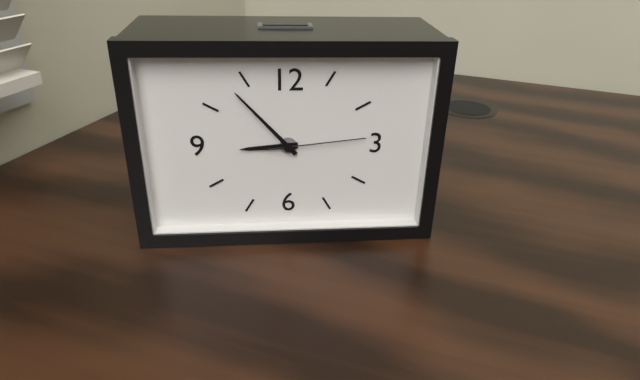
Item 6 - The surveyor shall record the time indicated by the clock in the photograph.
8:53:14
